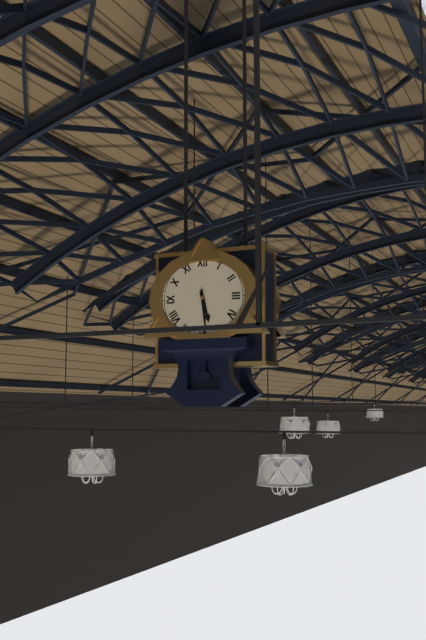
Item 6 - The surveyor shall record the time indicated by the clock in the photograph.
5:29
